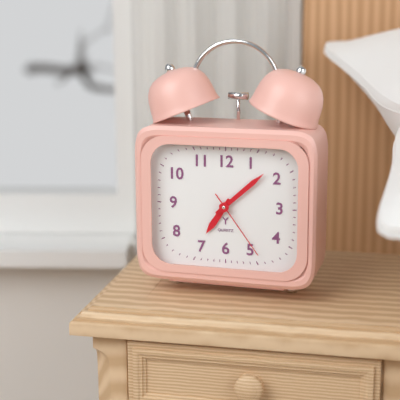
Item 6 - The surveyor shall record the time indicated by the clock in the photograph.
7:08:24
